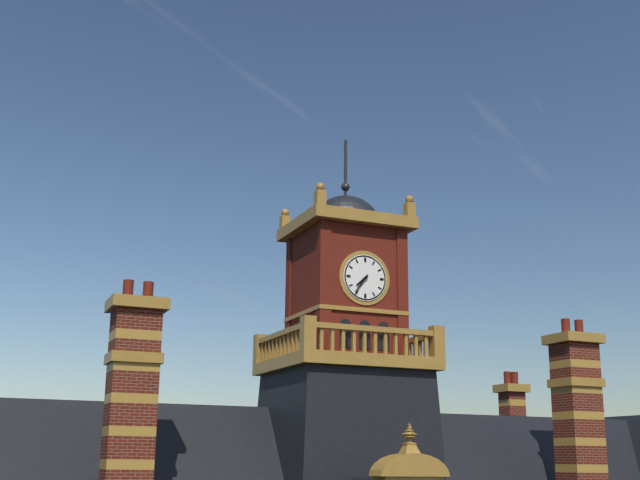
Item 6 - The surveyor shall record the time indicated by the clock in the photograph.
7:36
